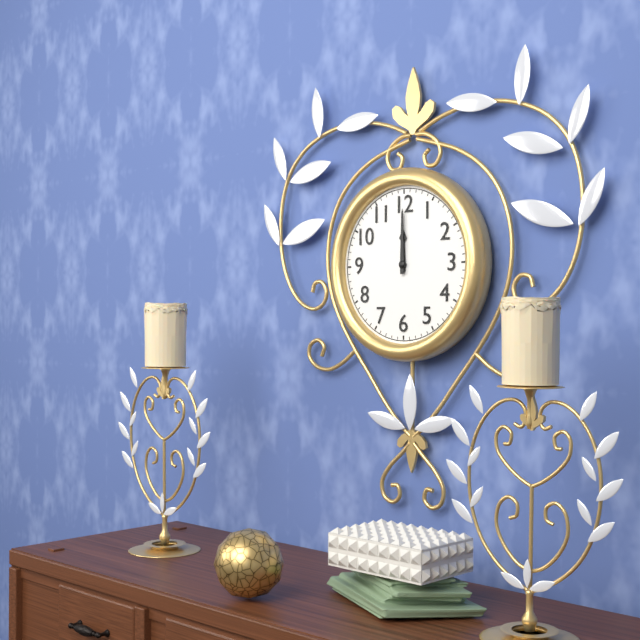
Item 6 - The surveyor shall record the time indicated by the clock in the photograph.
12:00
